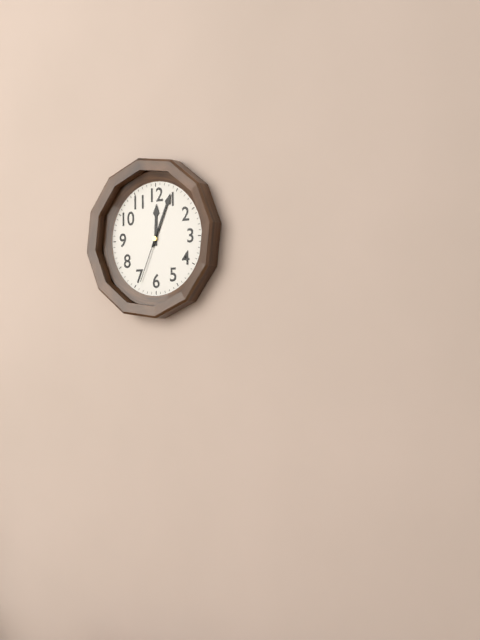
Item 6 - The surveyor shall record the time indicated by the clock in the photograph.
12:04:34
